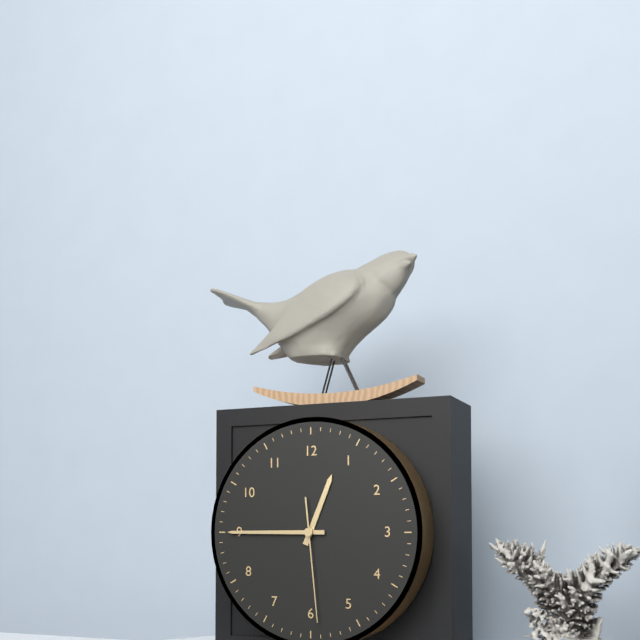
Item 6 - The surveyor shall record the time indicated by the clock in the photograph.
12:45:29
